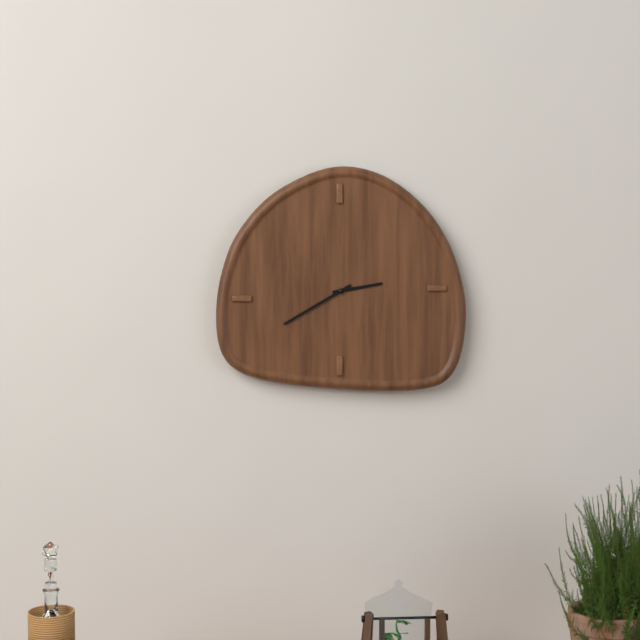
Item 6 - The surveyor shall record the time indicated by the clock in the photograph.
2:40
